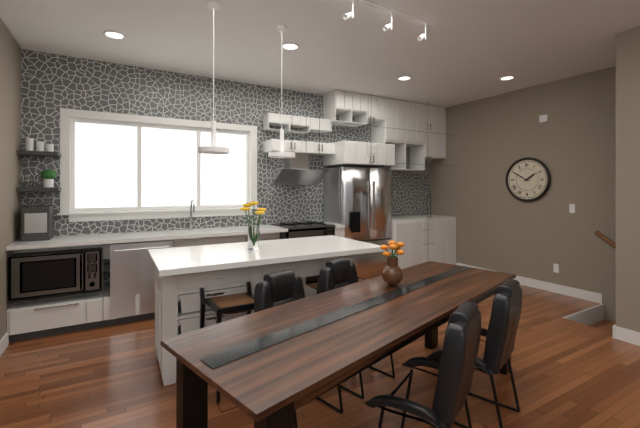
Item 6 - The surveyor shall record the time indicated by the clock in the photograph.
1:50
